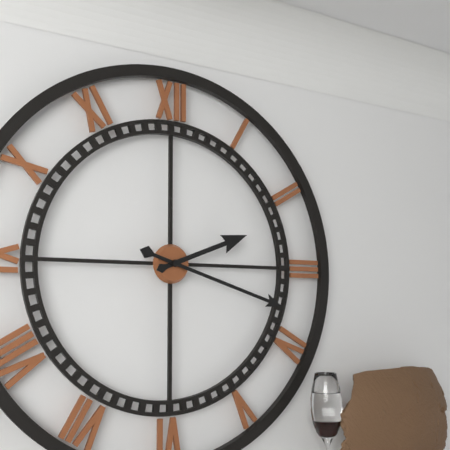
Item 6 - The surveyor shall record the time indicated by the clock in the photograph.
2:18
